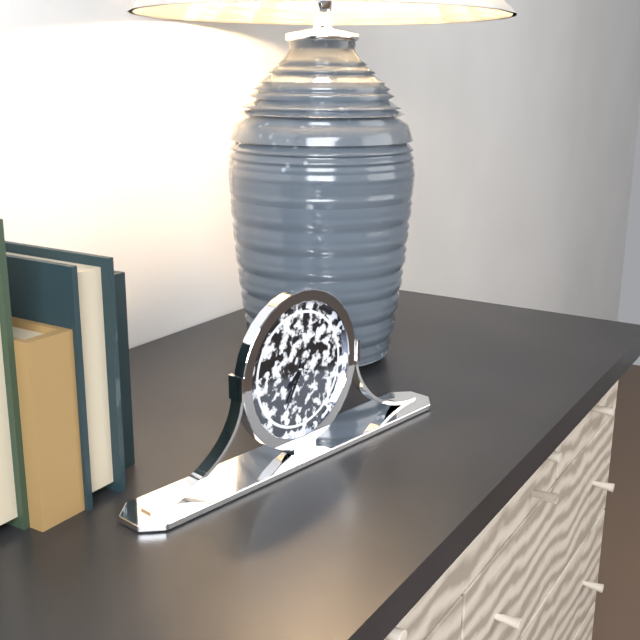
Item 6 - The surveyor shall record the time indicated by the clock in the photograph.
7:35
